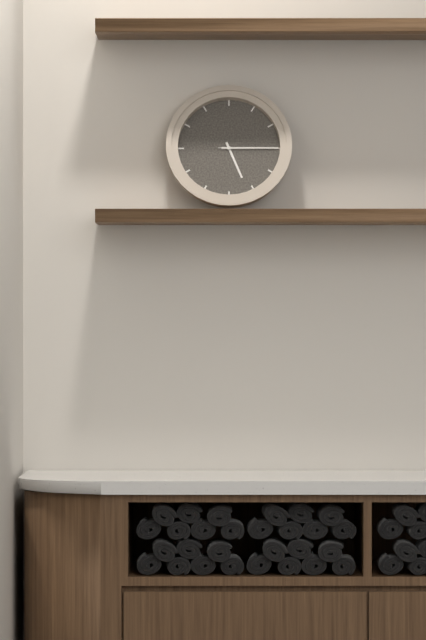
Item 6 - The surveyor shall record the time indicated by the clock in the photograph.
5:15:15
